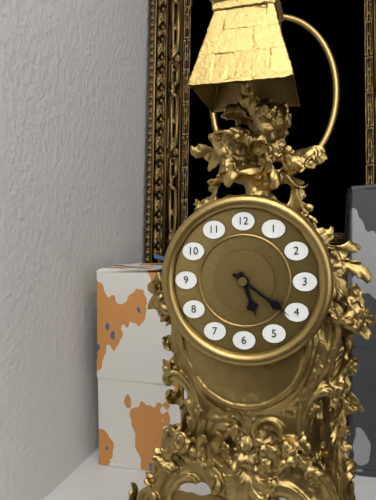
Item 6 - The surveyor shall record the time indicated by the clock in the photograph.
5:21
